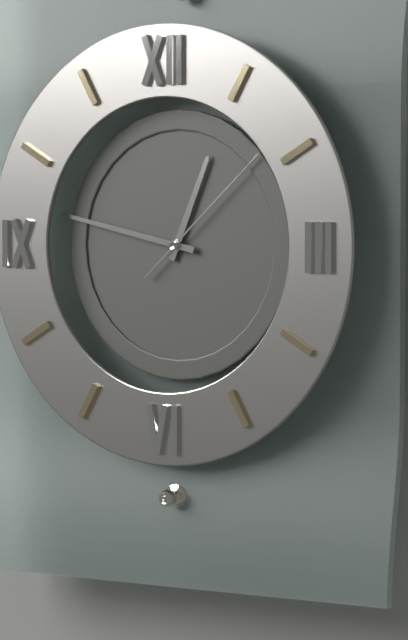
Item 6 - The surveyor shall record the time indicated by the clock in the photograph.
12:47:08
